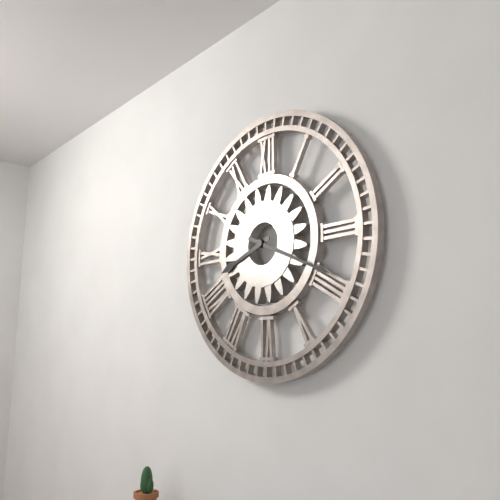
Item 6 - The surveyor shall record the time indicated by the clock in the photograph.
8:19
